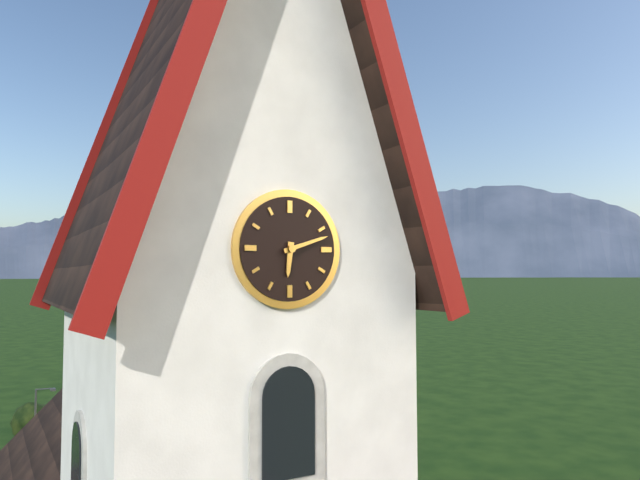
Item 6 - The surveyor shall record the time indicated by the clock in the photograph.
6:12
